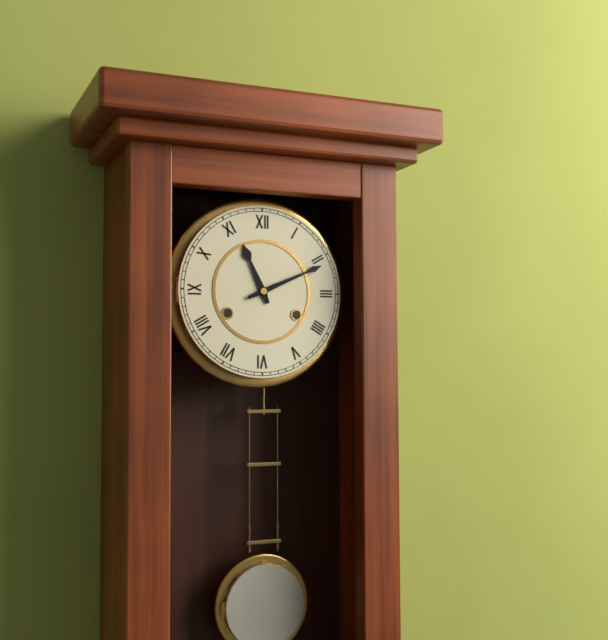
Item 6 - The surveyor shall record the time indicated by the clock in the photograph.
11:11
